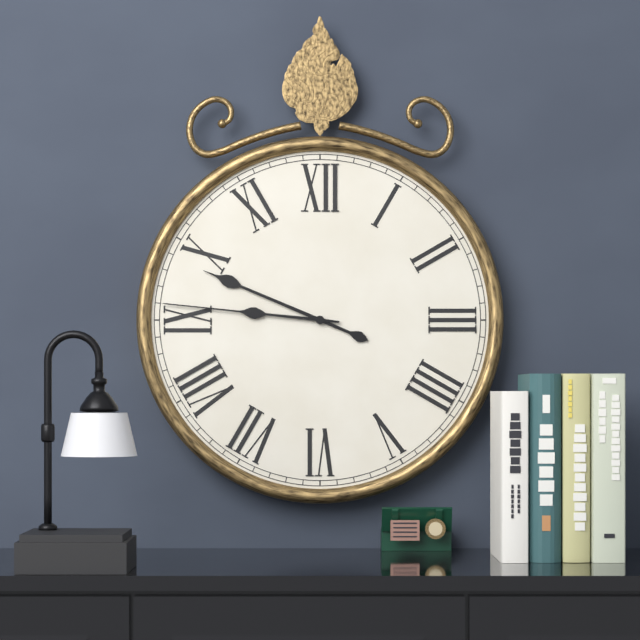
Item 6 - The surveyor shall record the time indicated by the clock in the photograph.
9:46
